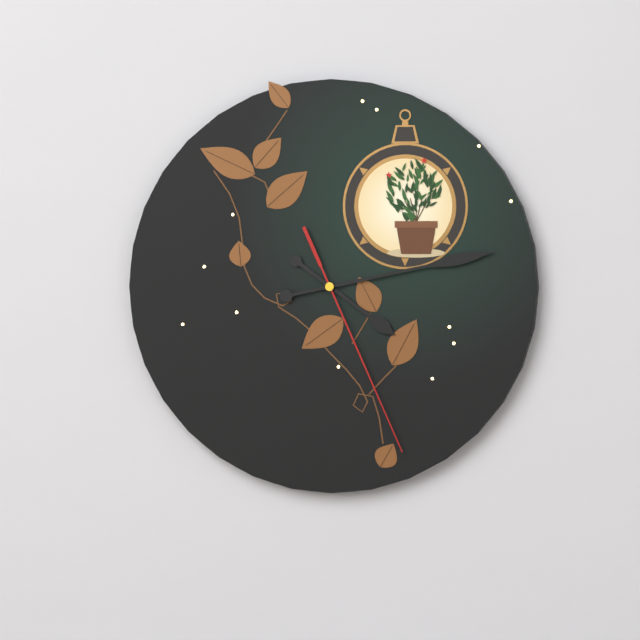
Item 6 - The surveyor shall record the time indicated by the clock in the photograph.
4:13:26
